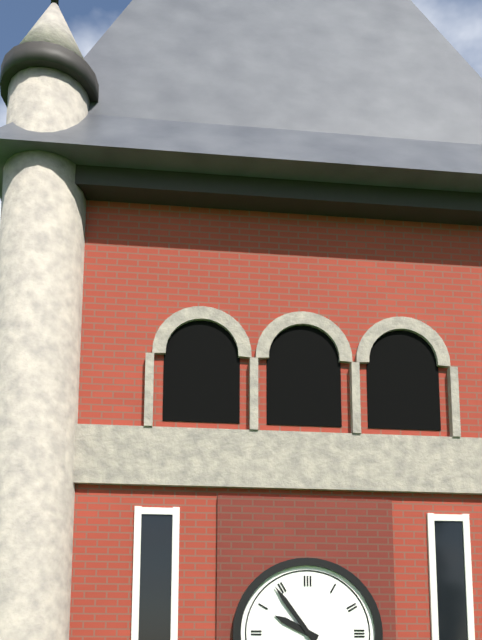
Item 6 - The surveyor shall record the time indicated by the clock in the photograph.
9:54
